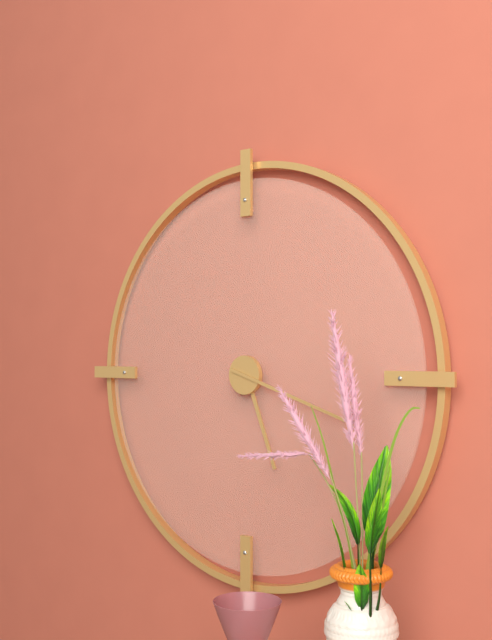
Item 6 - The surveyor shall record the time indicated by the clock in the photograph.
5:18
